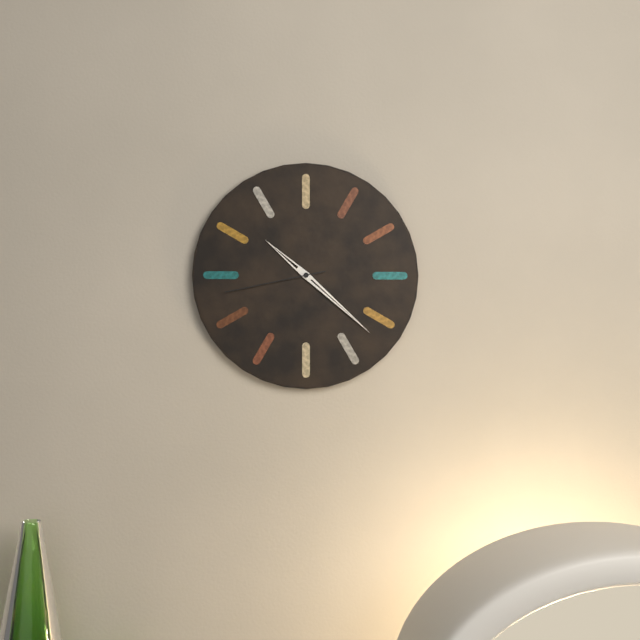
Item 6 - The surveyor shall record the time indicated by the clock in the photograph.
10:22:43
